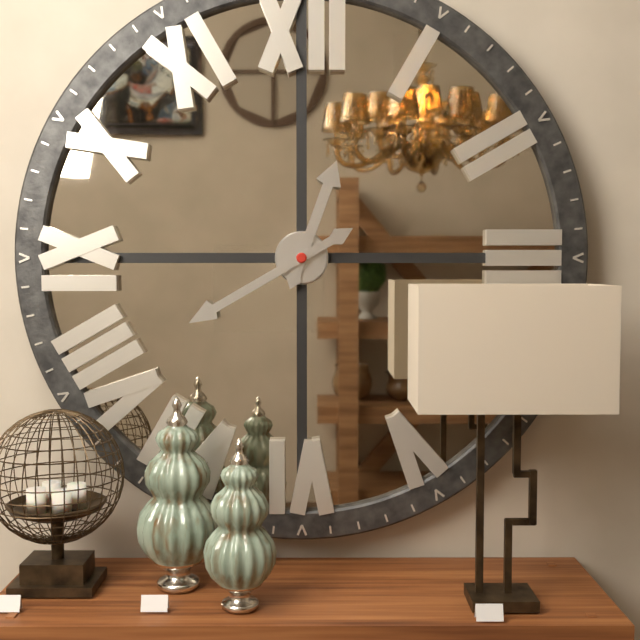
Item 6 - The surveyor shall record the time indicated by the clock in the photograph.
12:40
